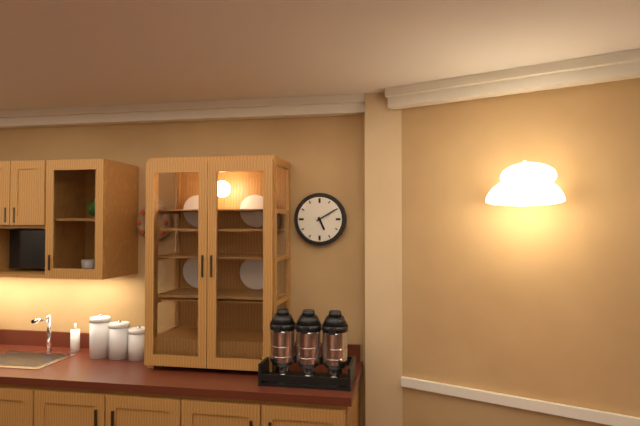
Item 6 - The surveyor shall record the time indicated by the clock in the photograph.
5:10
